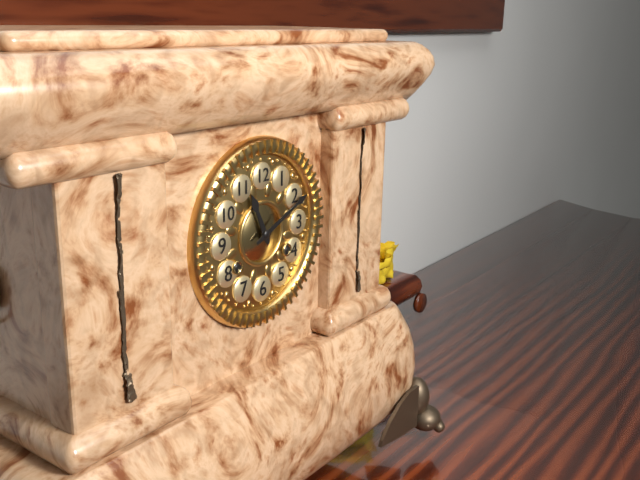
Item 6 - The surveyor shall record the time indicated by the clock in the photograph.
11:11
